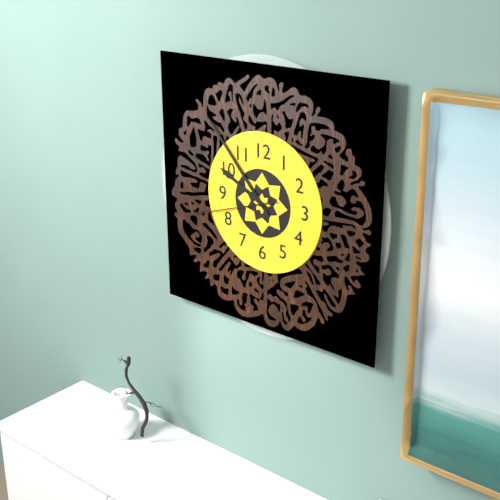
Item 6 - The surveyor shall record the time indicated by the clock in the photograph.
9:53:42
